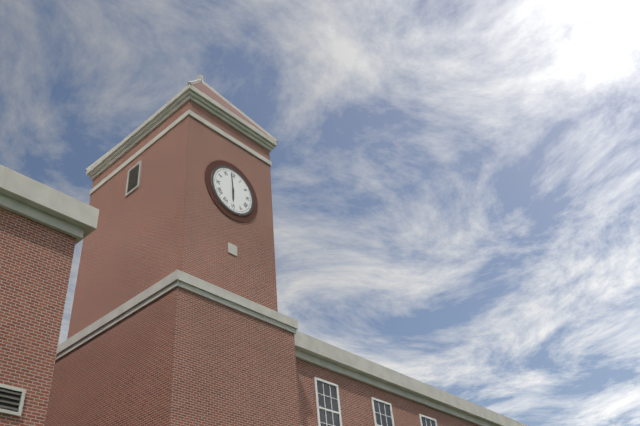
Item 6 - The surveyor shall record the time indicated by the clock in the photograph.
5:59
